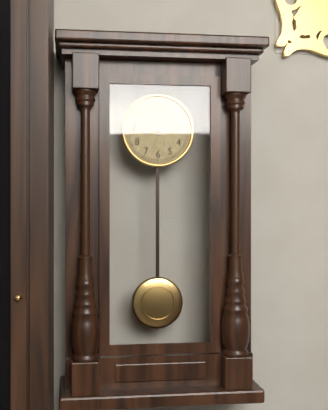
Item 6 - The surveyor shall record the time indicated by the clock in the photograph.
11:47
